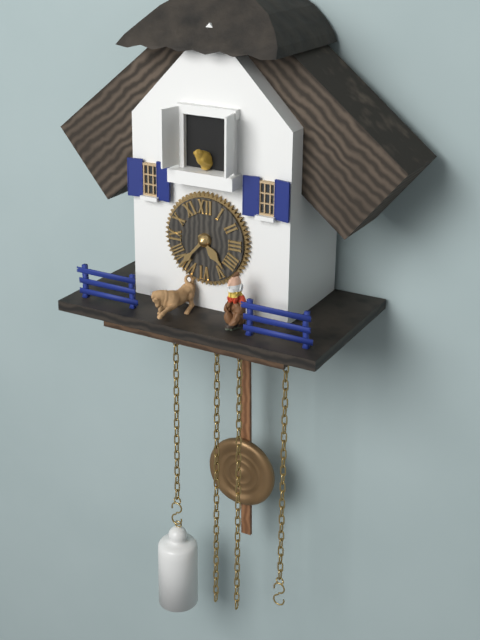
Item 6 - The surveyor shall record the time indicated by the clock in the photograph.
4:37
